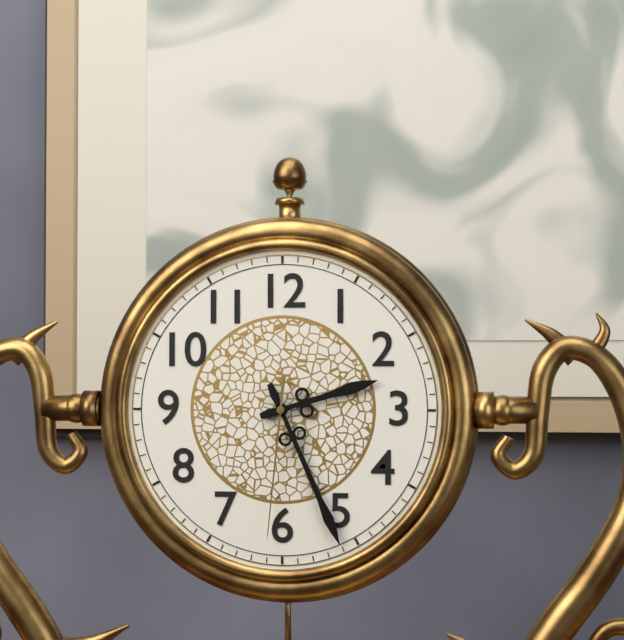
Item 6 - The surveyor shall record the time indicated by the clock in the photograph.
2:26:31
